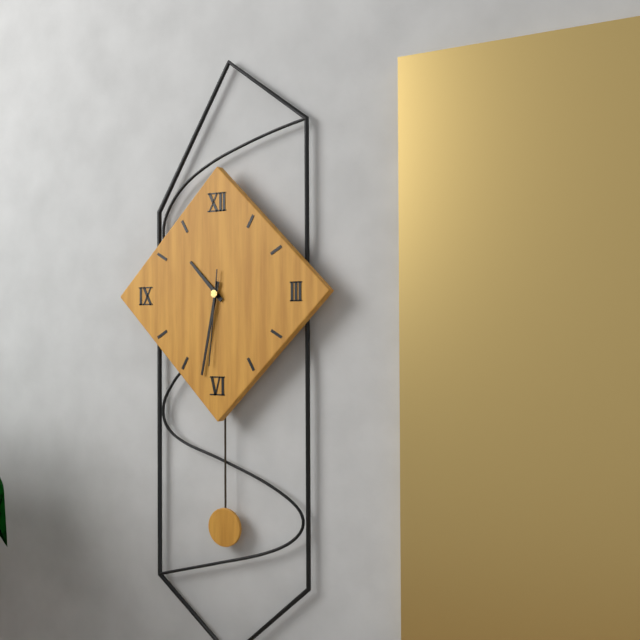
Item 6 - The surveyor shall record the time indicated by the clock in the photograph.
10:32:31
